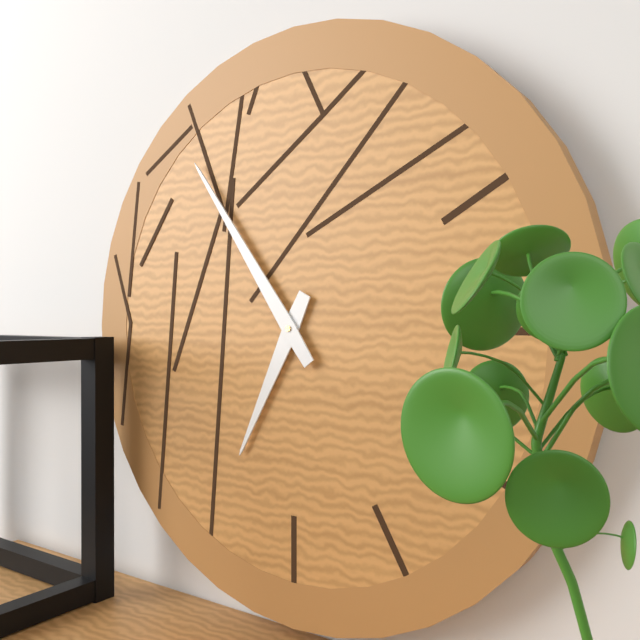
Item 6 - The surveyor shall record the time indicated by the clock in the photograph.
6:54
